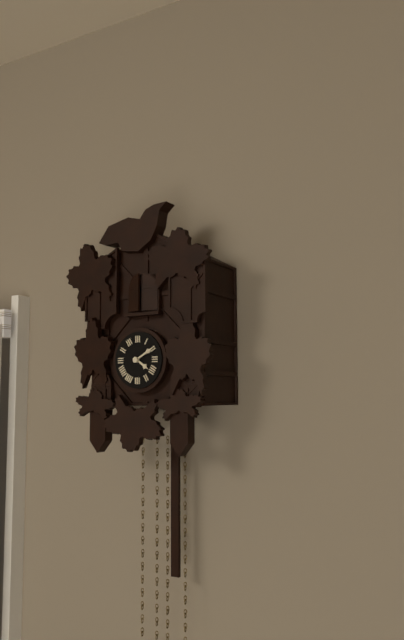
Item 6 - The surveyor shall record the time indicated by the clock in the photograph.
4:10
